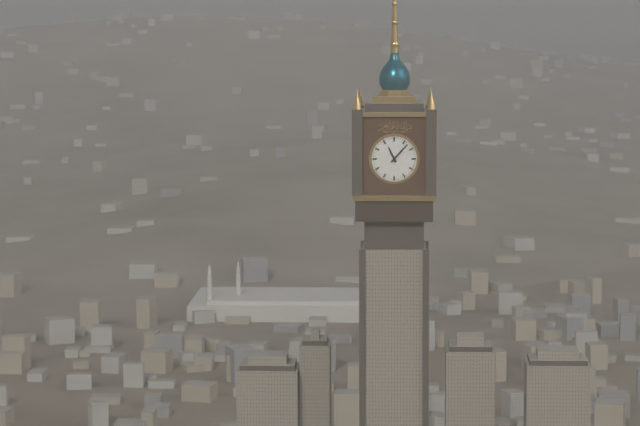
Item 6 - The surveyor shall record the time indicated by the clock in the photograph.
11:07
